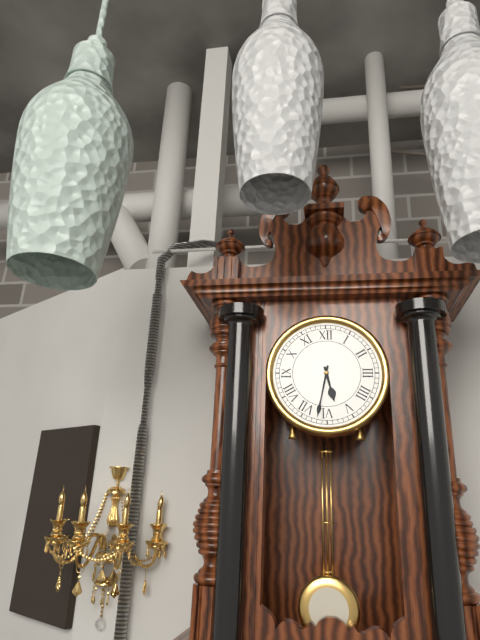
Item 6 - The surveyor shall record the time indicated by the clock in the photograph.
5:32
